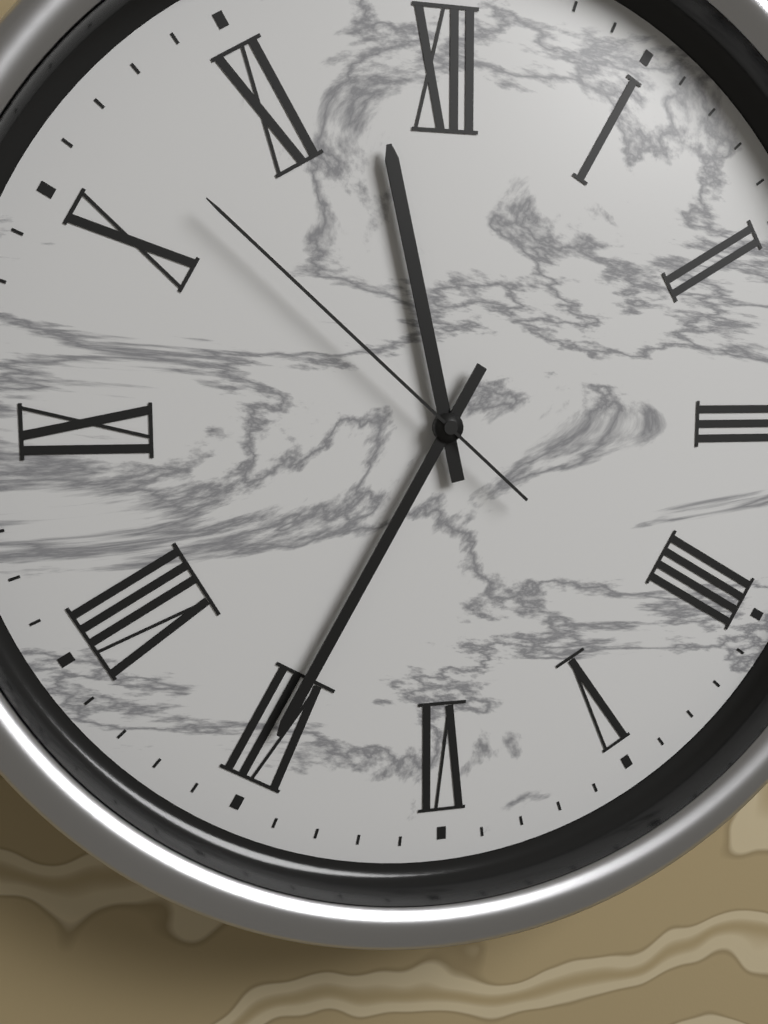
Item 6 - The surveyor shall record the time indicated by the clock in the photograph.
11:35:52
